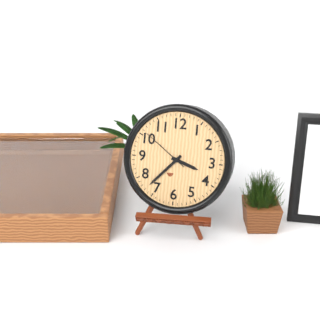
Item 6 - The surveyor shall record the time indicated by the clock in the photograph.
3:37:51
